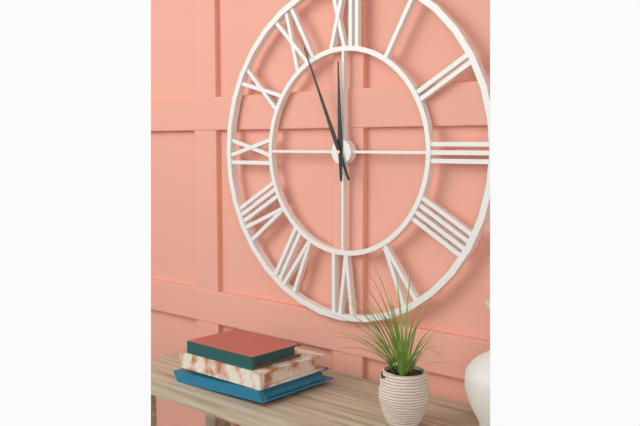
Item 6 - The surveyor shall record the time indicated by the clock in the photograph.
11:56
